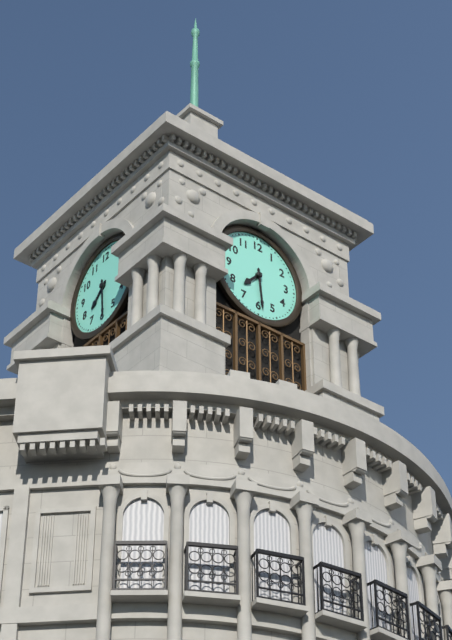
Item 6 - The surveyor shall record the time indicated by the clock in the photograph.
7:29
